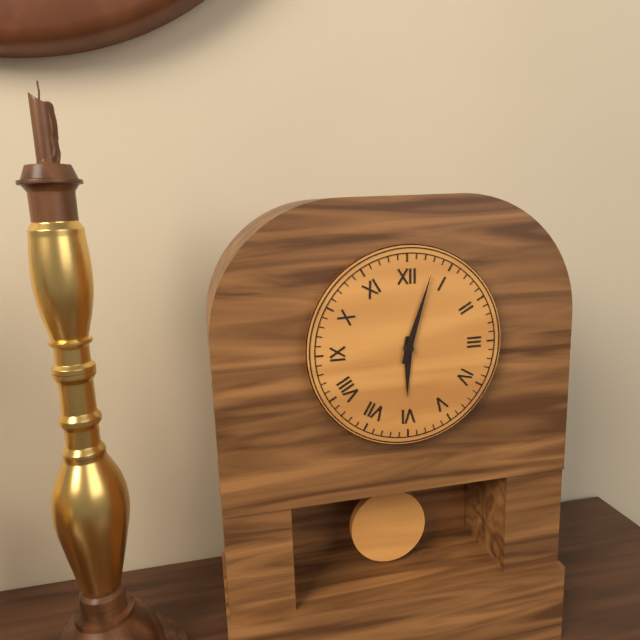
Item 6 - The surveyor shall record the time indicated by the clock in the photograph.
6:03
